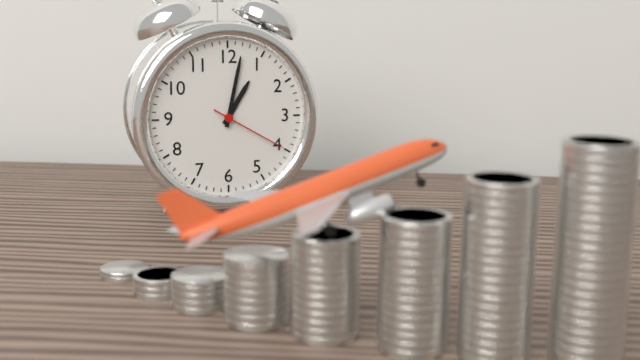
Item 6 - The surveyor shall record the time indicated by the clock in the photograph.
1:02:20
